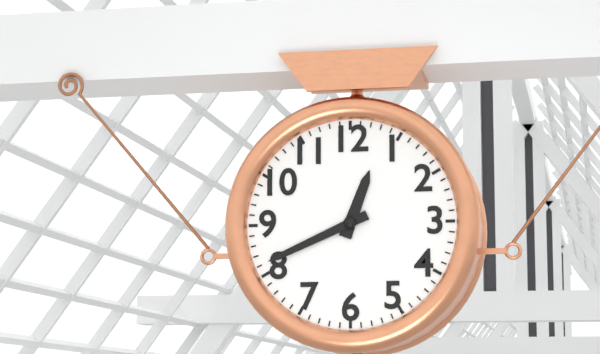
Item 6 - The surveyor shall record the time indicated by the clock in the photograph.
12:41
